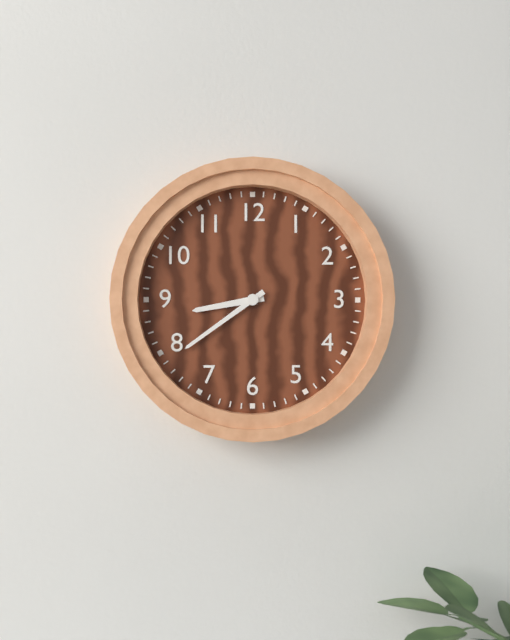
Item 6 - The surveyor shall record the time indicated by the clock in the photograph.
8:39
